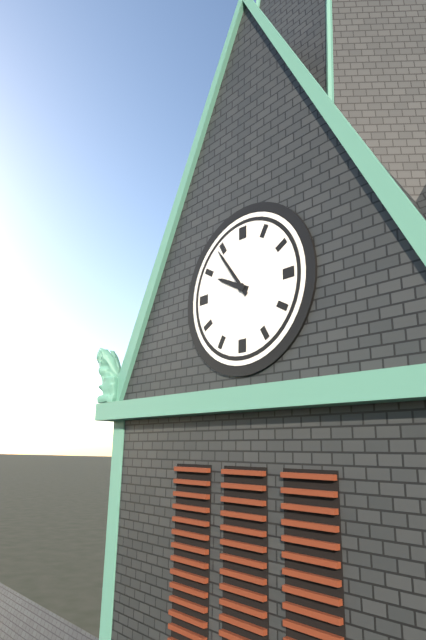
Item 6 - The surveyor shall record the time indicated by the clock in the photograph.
9:54
